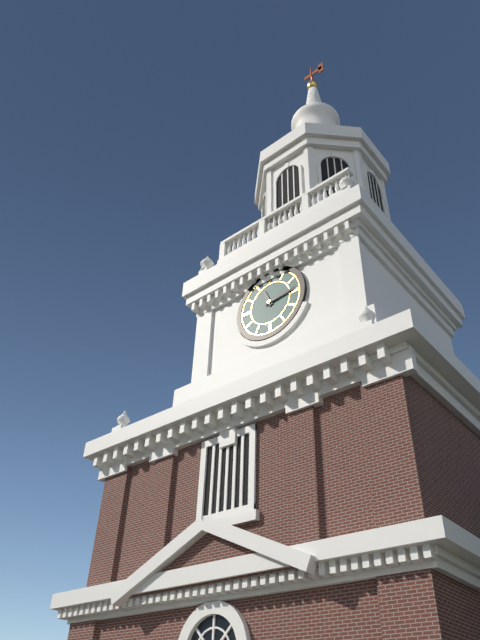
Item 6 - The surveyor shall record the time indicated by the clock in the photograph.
11:14
